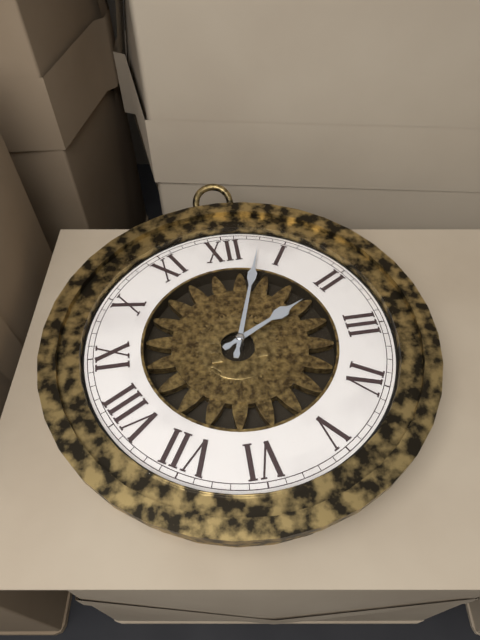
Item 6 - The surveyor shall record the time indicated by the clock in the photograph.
2:03
